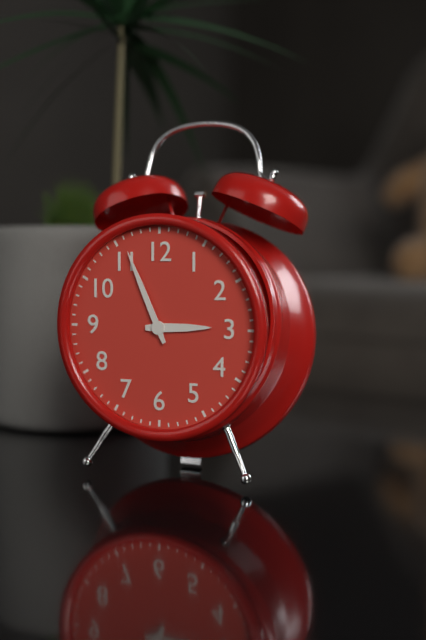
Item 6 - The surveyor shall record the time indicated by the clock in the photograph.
2:56
